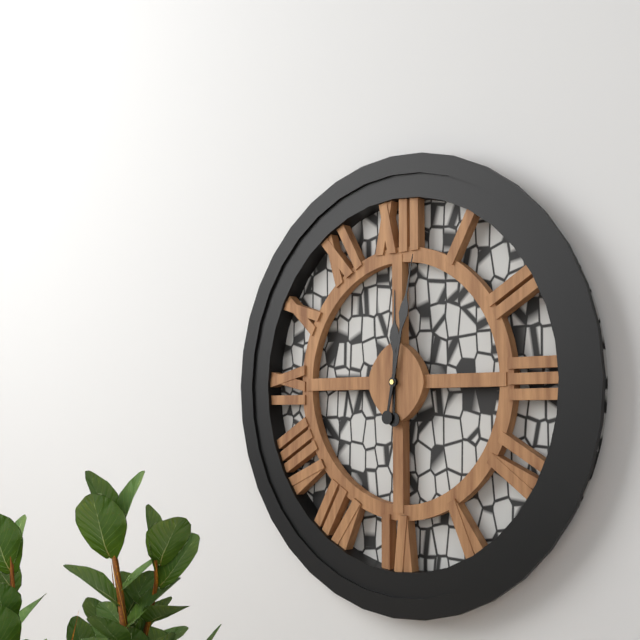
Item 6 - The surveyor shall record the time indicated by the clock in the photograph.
12:02
